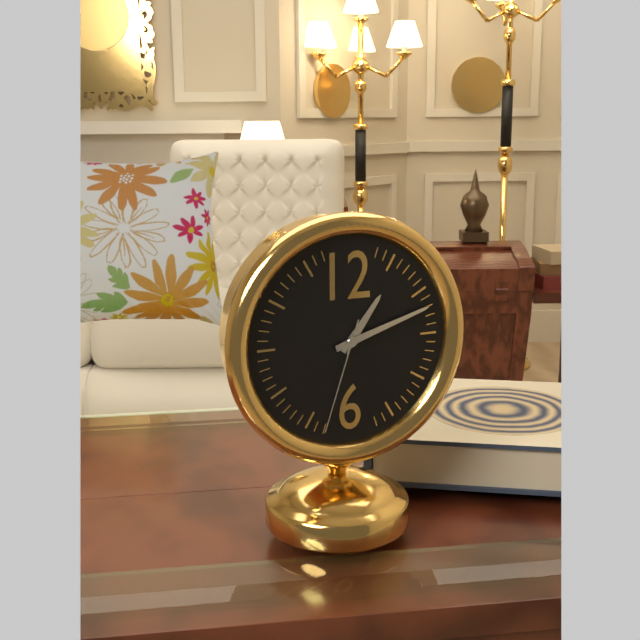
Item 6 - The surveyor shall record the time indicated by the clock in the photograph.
1:12:33
